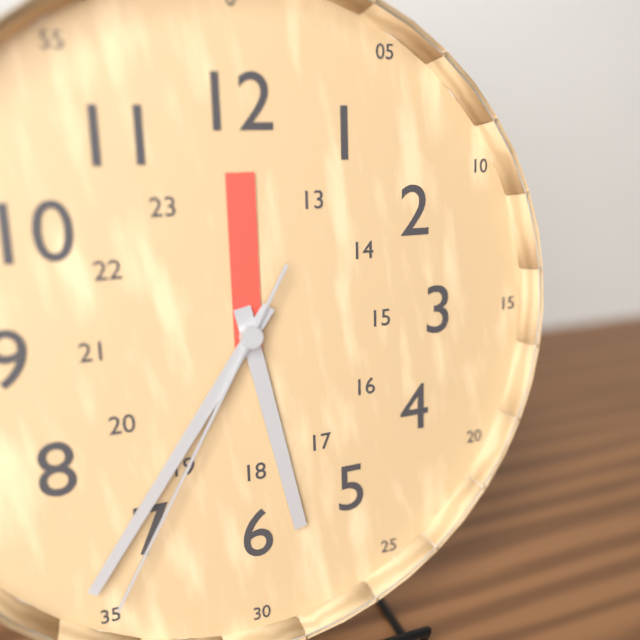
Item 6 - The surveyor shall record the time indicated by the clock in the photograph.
5:36:35
